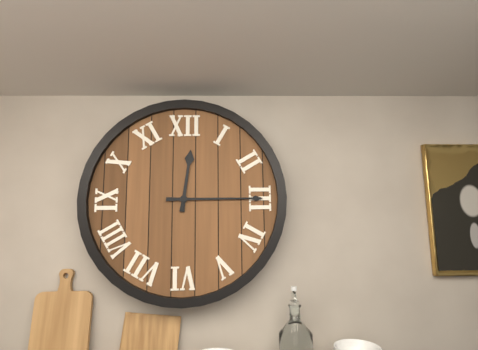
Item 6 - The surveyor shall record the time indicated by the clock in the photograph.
12:15
